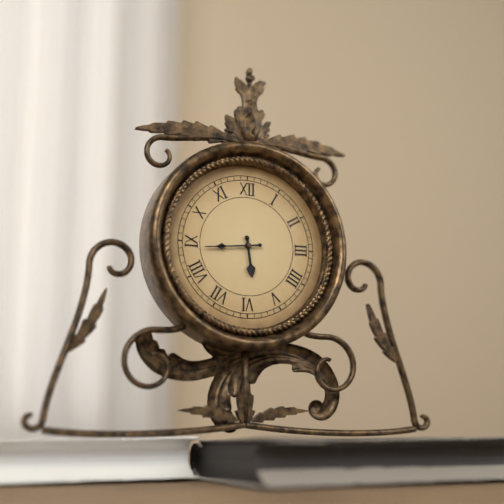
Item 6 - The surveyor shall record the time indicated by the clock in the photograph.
5:44
